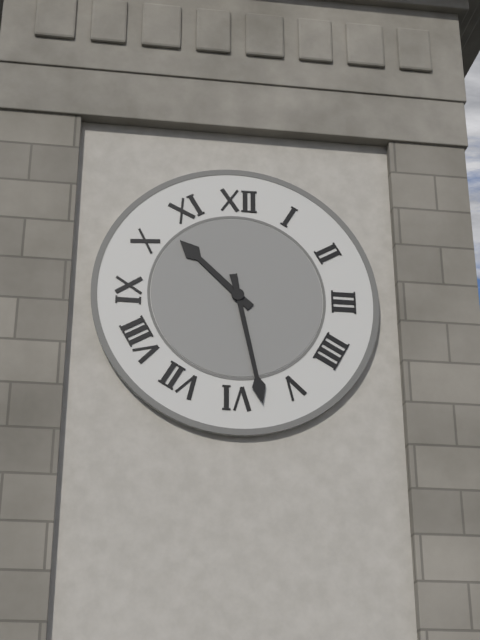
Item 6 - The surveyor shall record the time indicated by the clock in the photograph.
10:28
